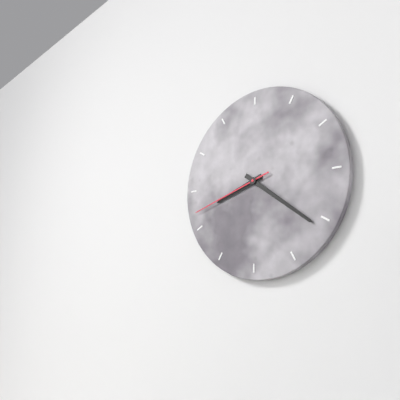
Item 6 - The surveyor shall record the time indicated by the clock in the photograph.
8:21:42
